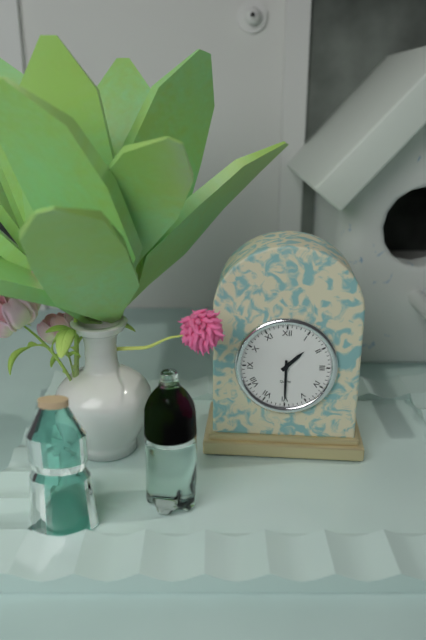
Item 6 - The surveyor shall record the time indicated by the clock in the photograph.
1:30
